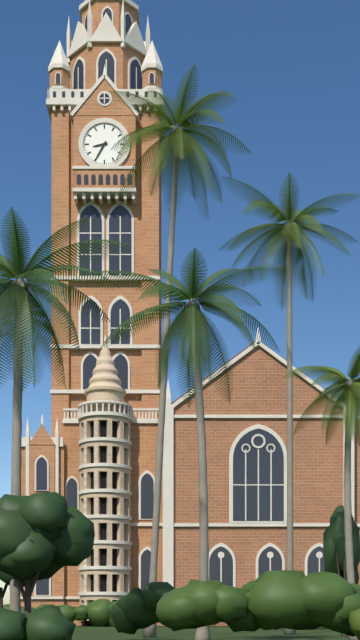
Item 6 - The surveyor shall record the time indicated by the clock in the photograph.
8:35
